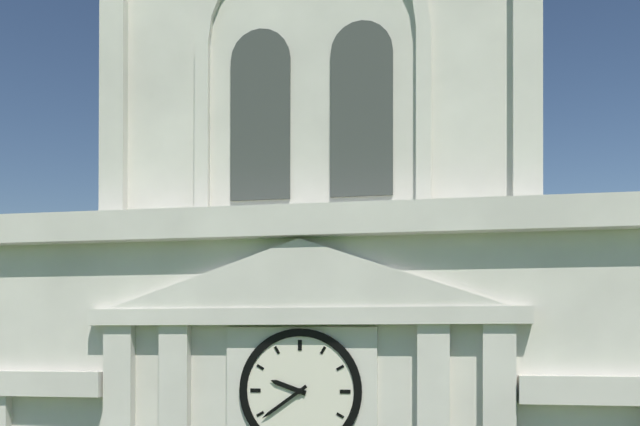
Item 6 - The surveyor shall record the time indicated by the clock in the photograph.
9:39
